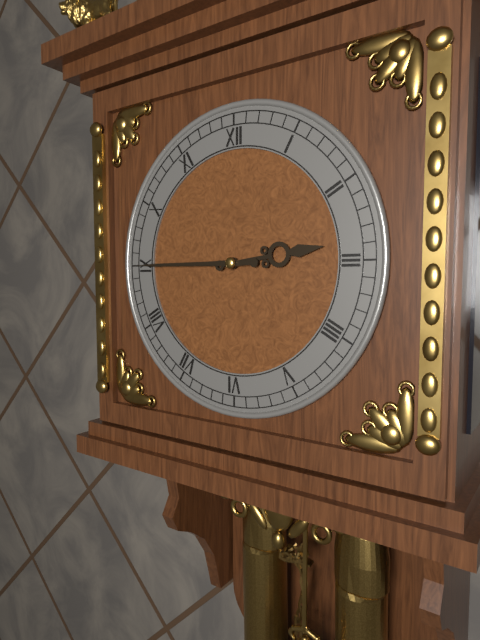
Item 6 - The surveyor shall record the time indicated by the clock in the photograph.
2:45
